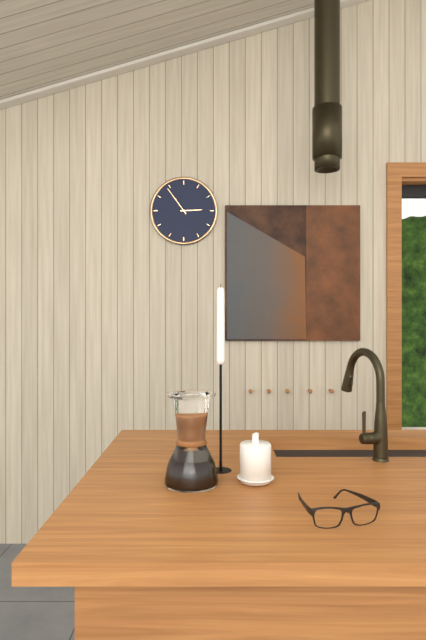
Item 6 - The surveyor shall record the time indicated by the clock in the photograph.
2:54
